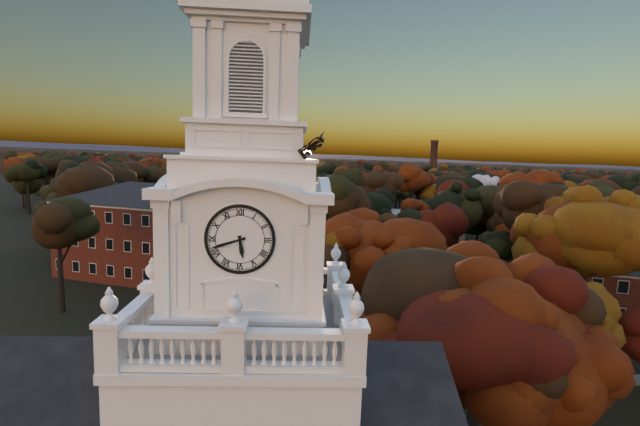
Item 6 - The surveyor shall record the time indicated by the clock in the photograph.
5:42
